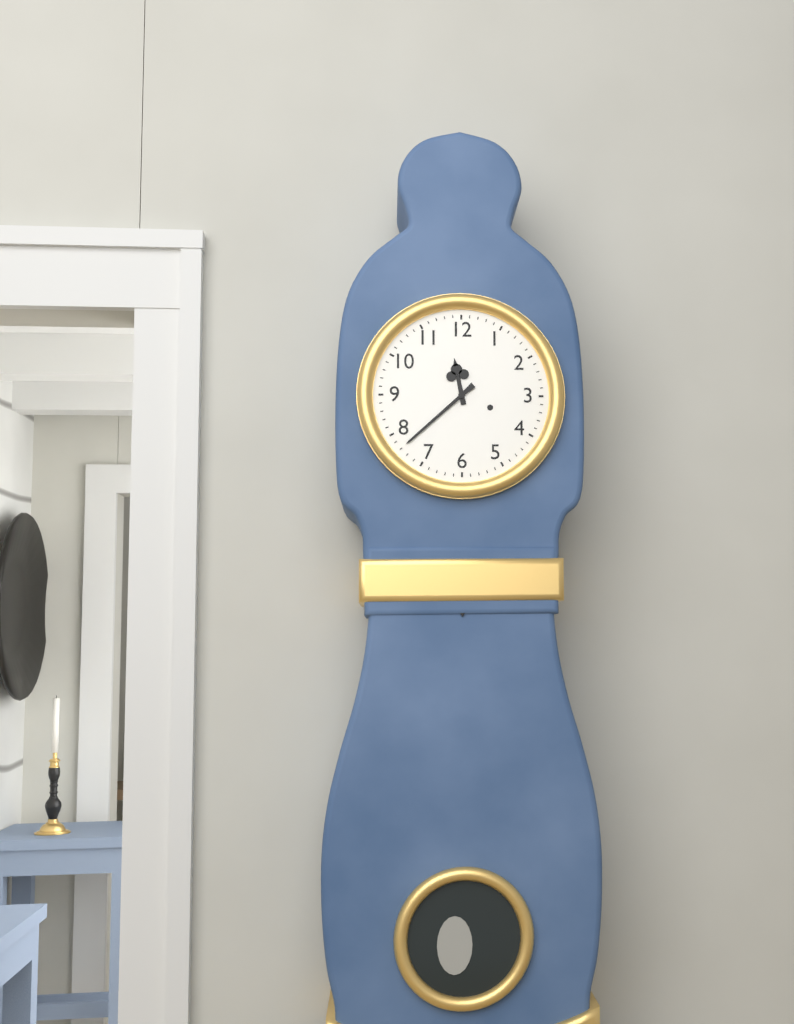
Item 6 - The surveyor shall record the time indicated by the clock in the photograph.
11:38
